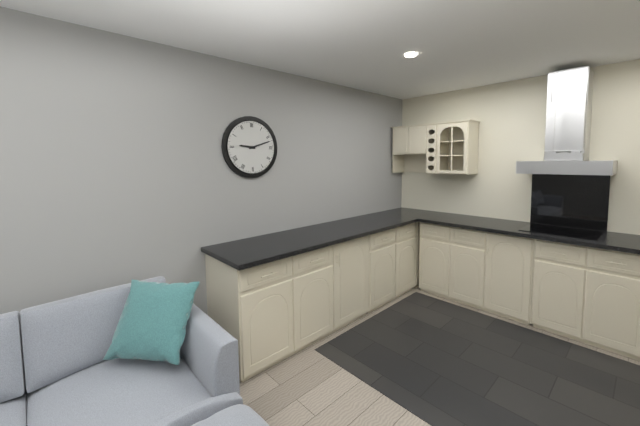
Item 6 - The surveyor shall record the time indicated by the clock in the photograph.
9:12
